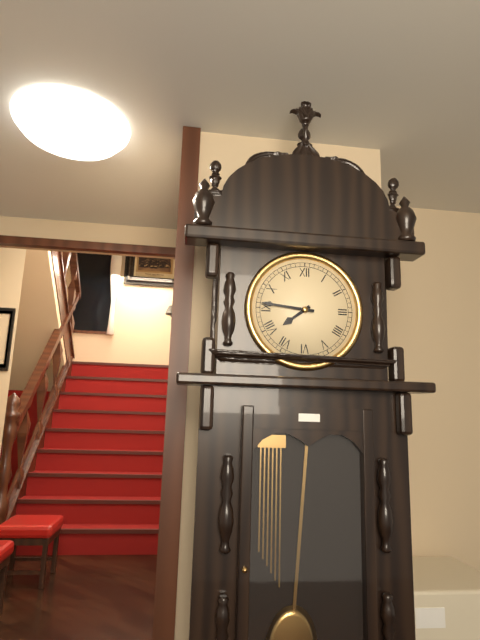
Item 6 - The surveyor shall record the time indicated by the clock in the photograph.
7:46
